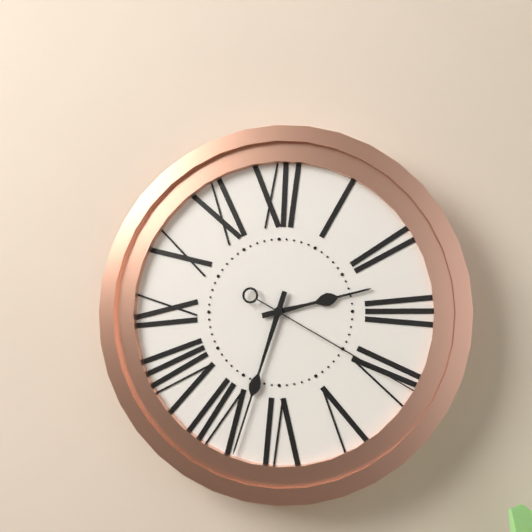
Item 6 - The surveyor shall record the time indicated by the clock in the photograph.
2:33:20
